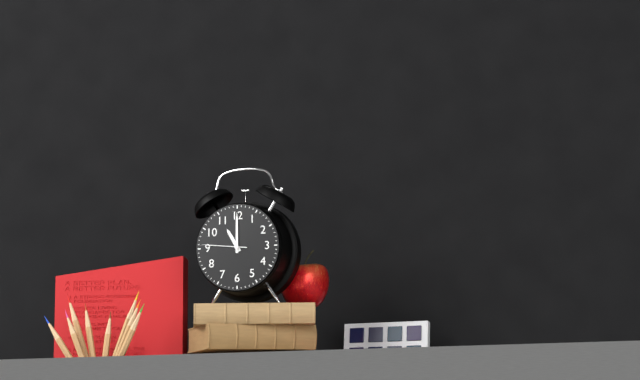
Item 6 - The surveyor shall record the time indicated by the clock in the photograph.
11:00
